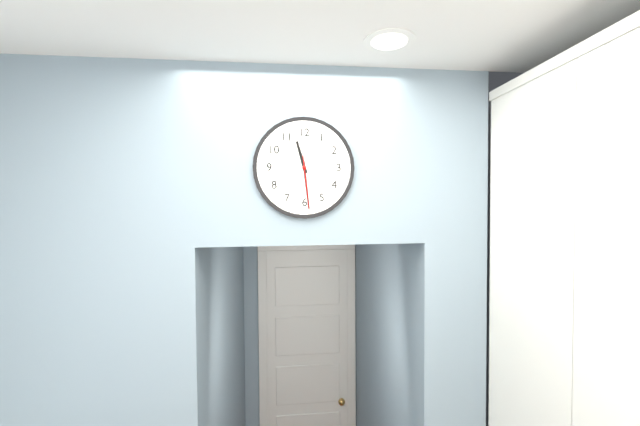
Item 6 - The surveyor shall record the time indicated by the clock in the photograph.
11:29:29
